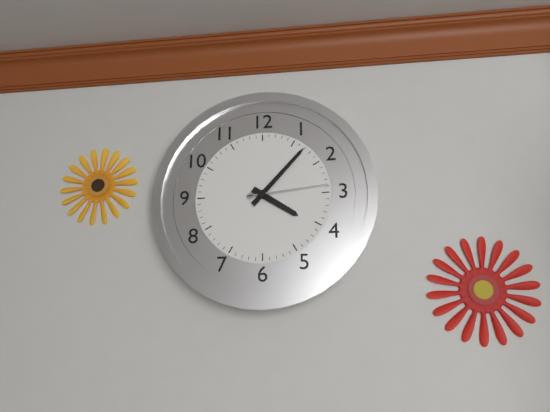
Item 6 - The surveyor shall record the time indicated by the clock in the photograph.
4:07:14
